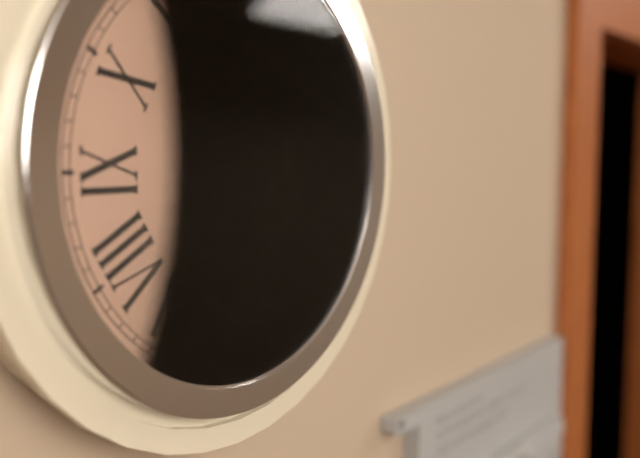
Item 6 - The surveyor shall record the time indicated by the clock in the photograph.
1:37
